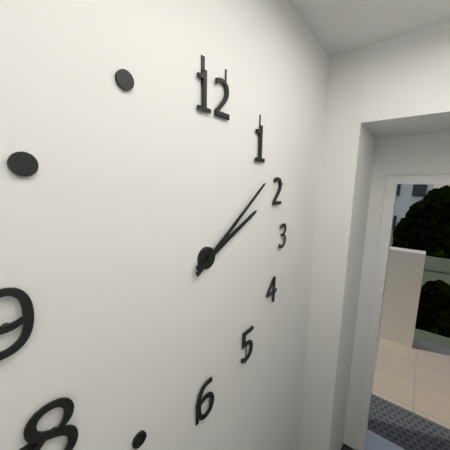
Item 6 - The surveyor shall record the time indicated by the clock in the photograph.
2:09
